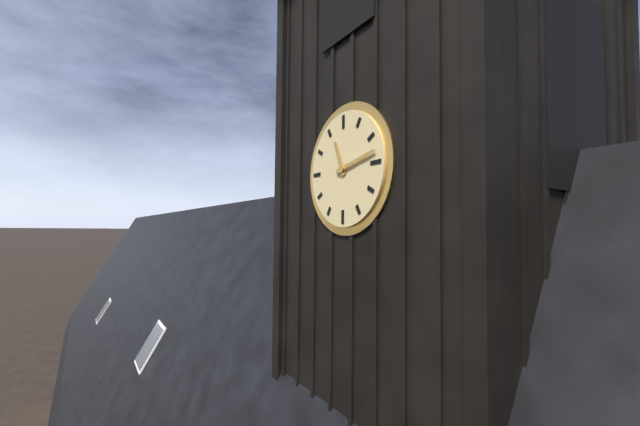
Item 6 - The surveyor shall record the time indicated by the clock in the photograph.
11:13
